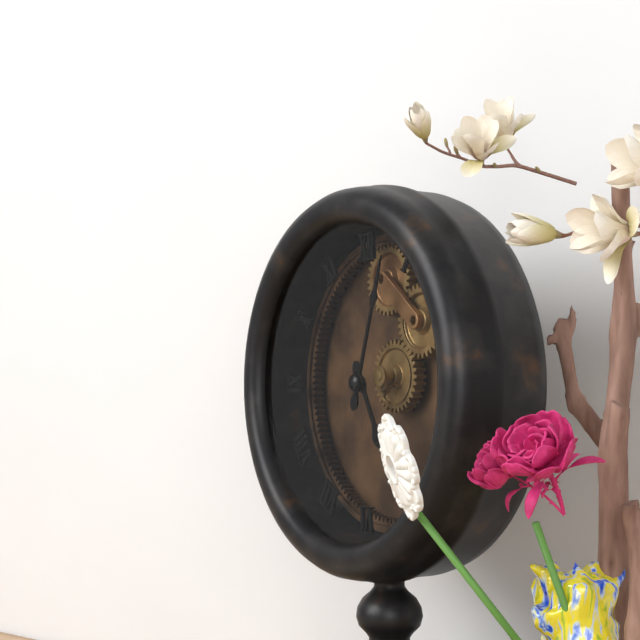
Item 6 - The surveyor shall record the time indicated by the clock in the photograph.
5:03
